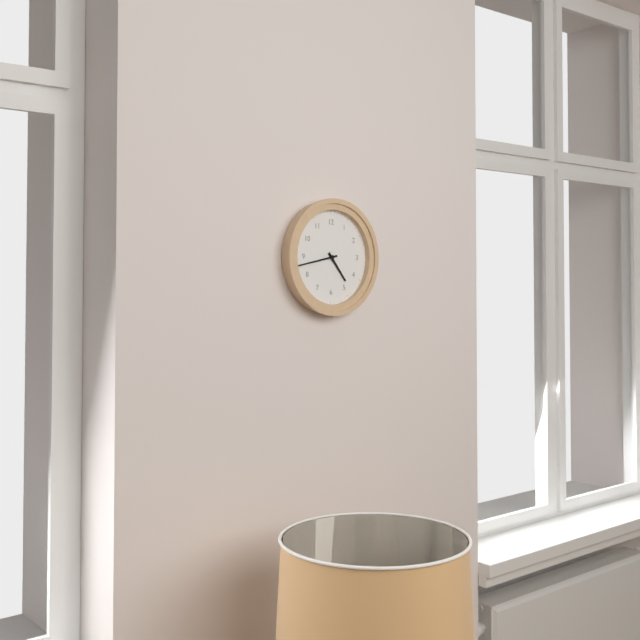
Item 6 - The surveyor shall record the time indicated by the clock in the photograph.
4:43
